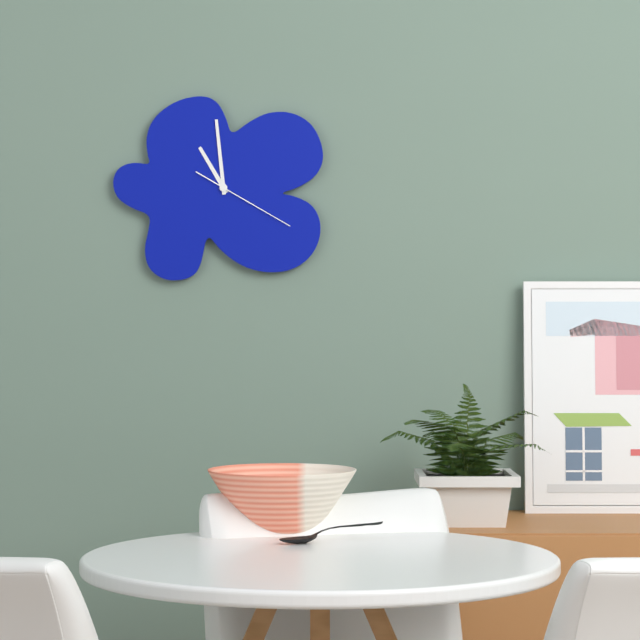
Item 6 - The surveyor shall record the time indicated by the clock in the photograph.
10:59:20
